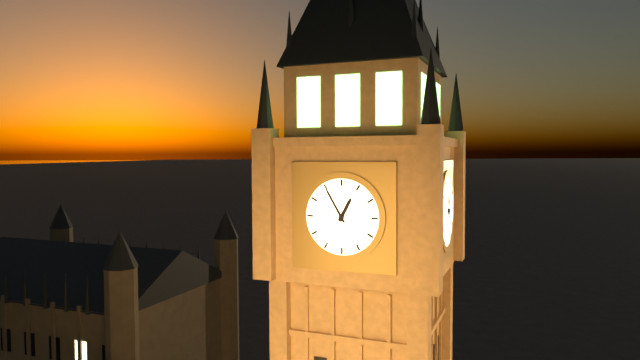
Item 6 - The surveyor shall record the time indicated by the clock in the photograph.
12:55
